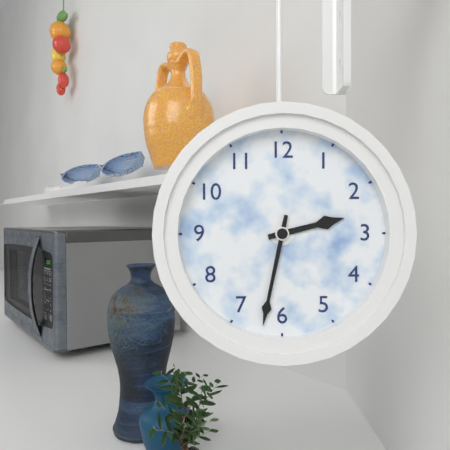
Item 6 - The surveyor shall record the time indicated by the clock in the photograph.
2:32
